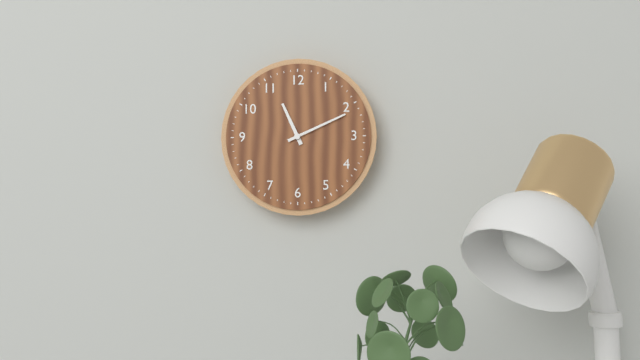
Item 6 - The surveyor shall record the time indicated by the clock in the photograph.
11:11
